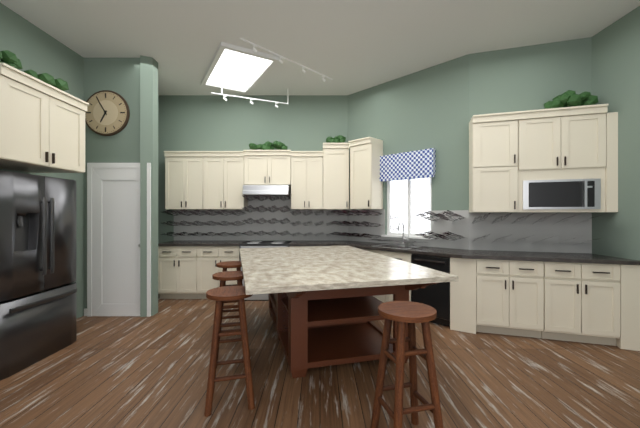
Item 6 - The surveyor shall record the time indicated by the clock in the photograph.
6:55
